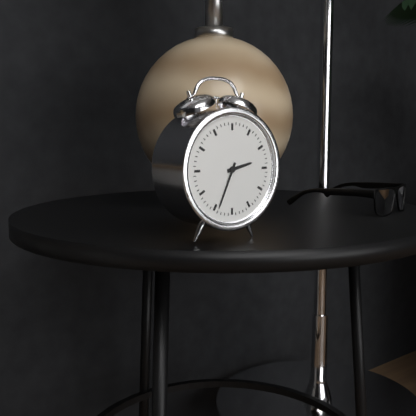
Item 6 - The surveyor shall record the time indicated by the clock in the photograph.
2:34
